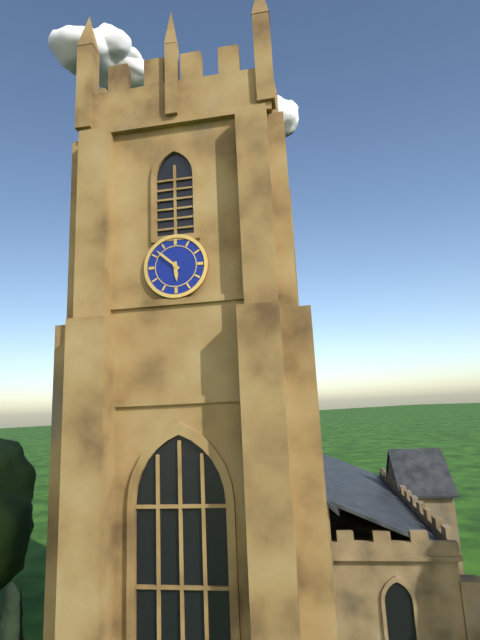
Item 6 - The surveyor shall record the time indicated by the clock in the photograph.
5:52
